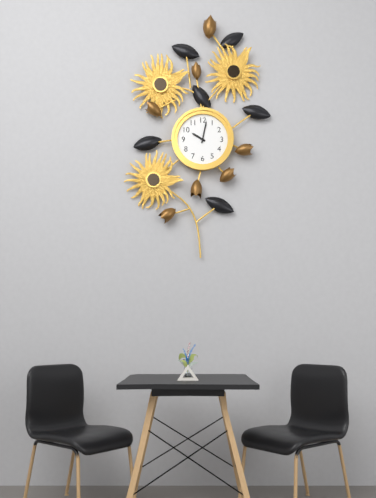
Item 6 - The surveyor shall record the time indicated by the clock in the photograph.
10:02
